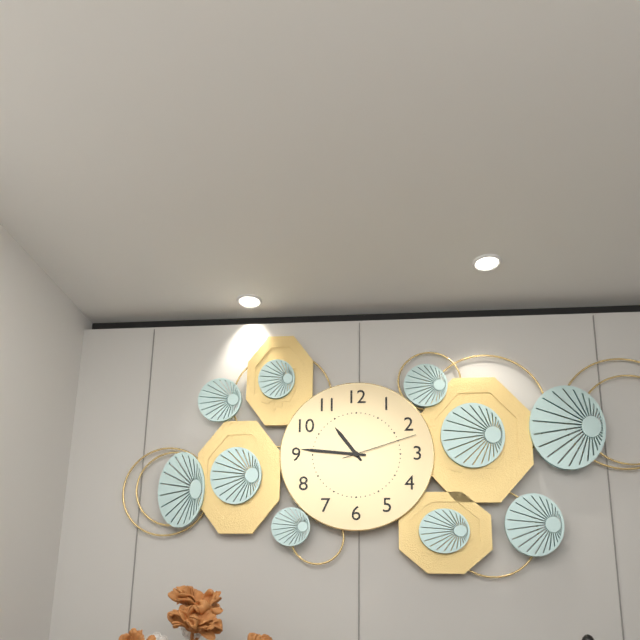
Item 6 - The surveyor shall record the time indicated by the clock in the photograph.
10:46:12
